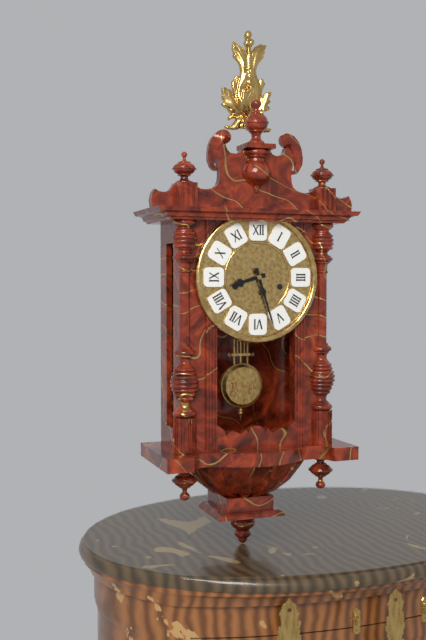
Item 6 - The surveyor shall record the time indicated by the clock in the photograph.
8:27
